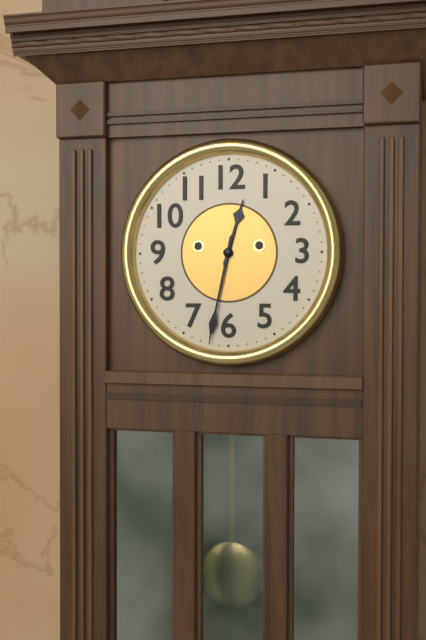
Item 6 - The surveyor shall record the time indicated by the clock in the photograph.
12:32
